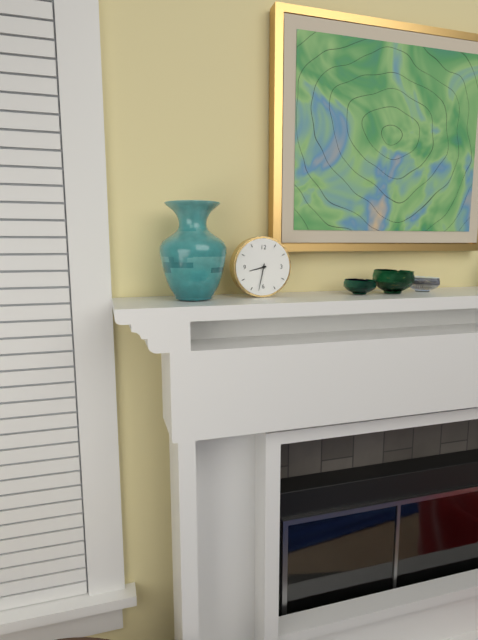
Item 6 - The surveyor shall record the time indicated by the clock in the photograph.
8:32
